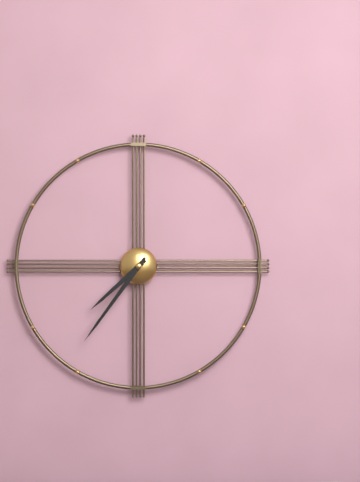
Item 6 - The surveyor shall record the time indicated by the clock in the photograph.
7:36
